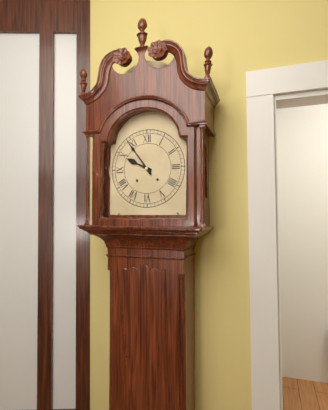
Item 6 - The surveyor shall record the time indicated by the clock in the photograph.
9:54
